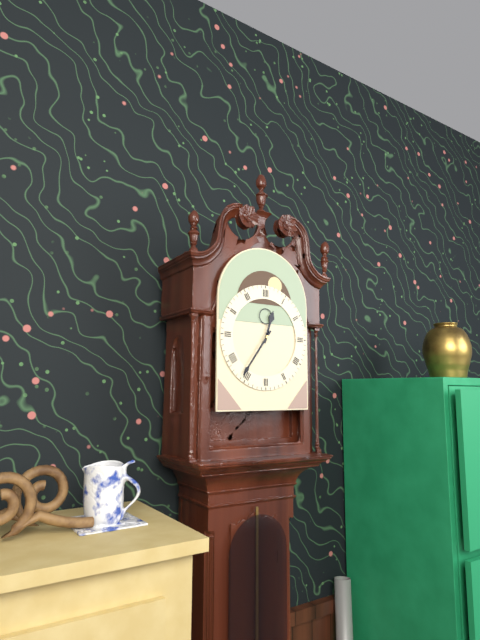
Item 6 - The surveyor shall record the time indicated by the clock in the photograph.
12:36
